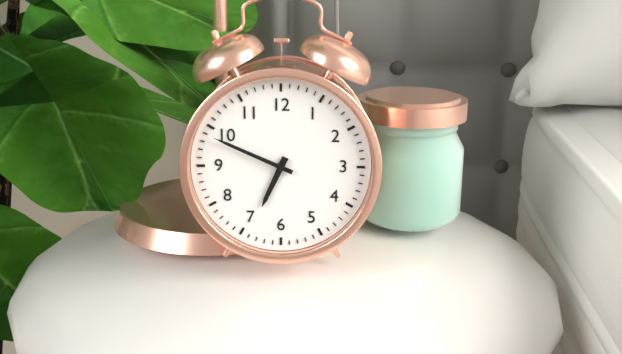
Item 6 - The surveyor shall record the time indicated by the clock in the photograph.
6:49
